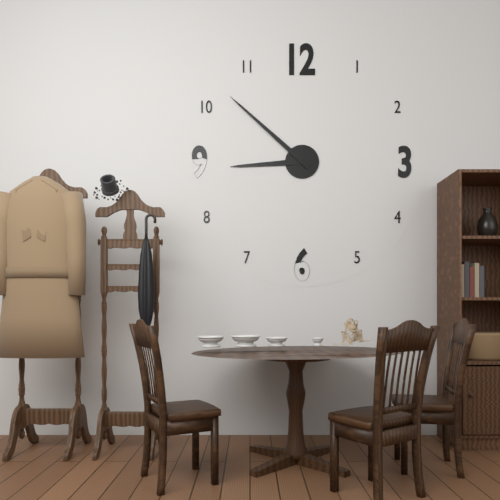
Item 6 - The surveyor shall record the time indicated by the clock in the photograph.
8:52
